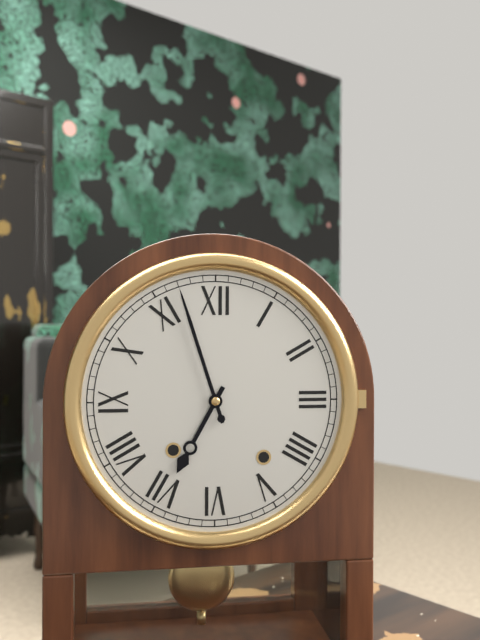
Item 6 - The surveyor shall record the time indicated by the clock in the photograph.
6:57
